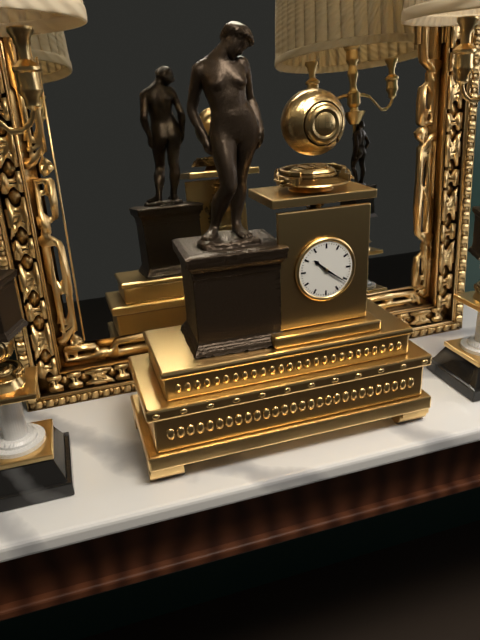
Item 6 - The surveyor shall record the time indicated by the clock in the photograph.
10:21
